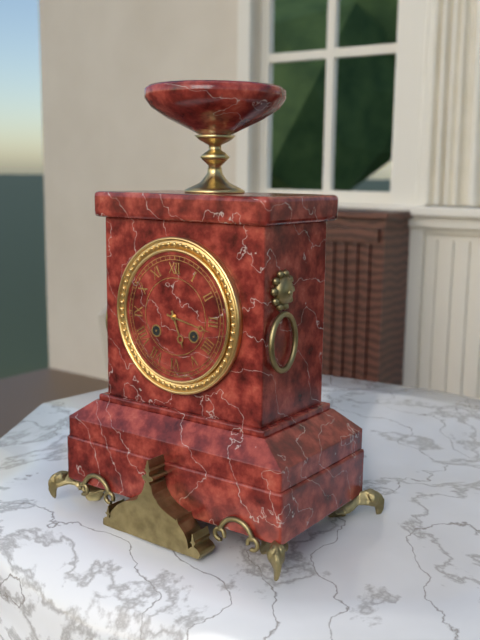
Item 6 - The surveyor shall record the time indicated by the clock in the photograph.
5:17
